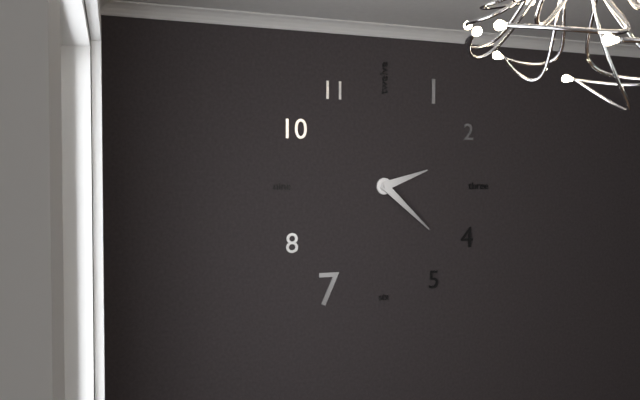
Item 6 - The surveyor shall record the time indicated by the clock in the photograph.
2:22
